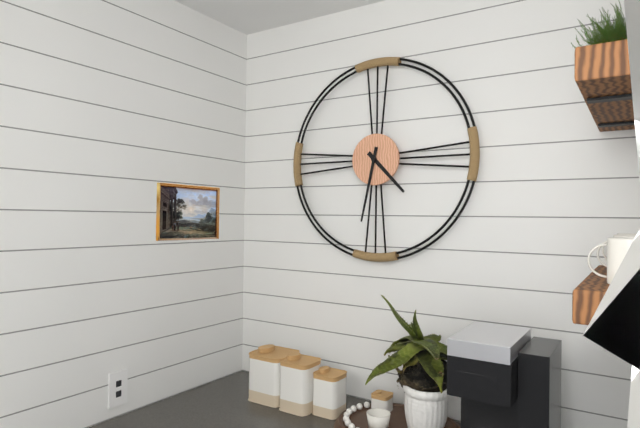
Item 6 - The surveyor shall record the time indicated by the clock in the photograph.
4:32
